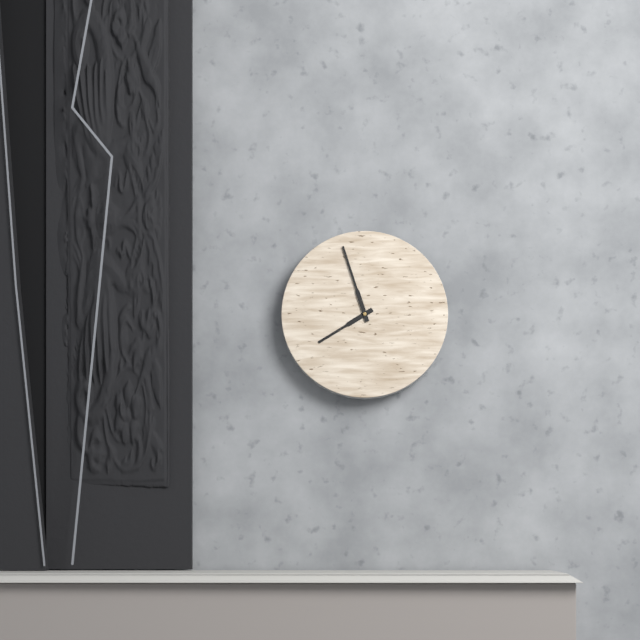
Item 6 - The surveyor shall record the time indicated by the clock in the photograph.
7:57
